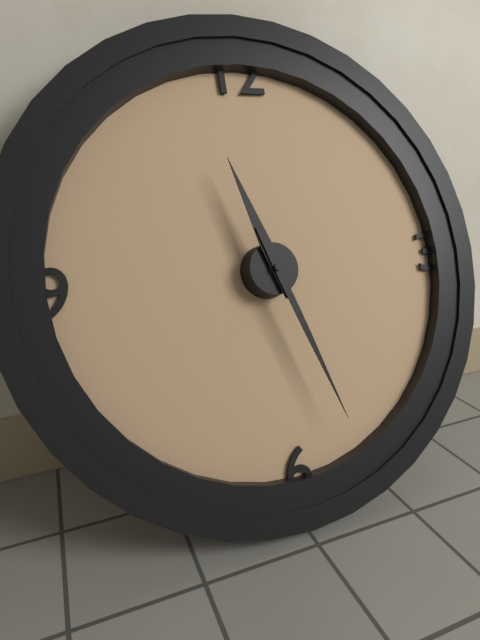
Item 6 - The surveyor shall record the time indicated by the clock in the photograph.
11:27
